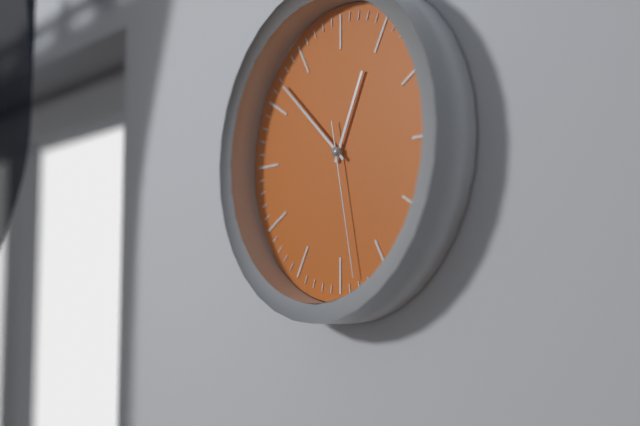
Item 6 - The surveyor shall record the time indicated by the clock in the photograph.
12:52:28
